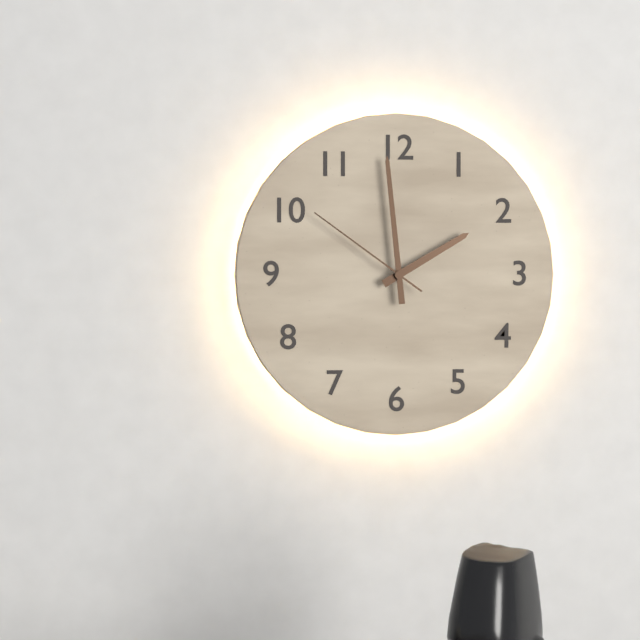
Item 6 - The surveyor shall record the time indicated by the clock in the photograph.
1:59:51
